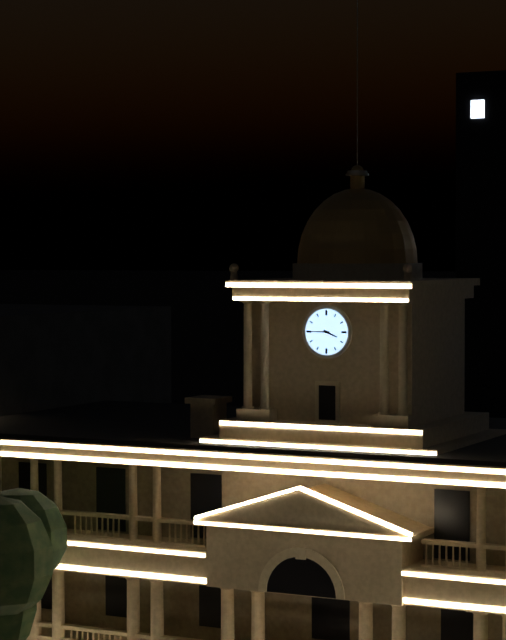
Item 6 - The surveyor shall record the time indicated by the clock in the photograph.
3:45
